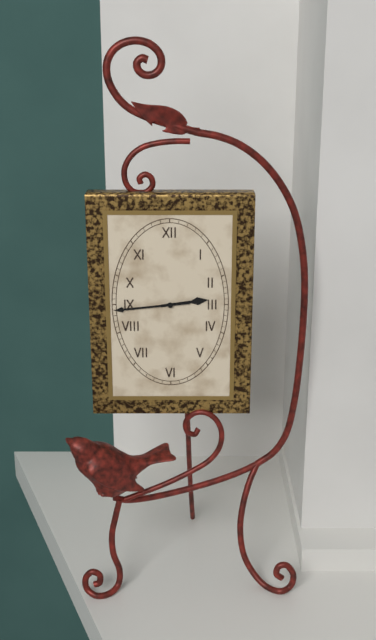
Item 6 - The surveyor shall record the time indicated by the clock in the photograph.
2:44
